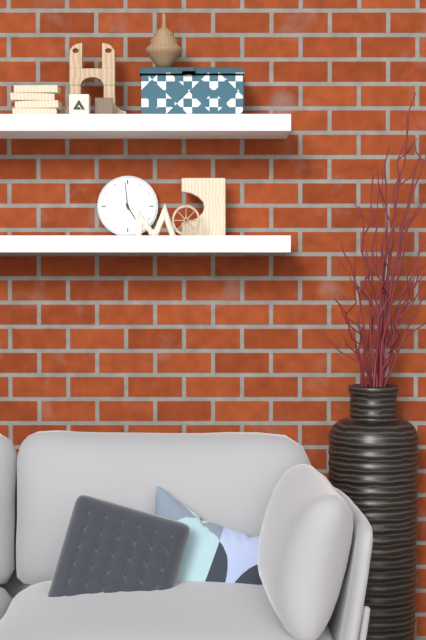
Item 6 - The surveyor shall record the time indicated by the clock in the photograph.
4:59
